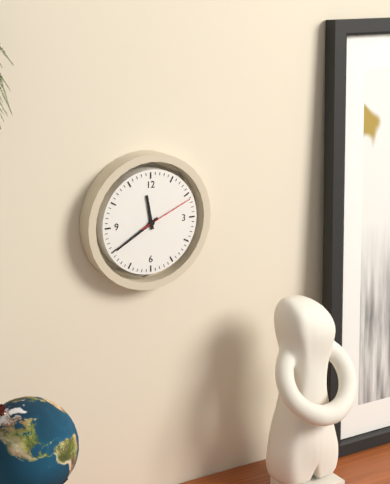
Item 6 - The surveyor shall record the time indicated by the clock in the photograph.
11:40:11
